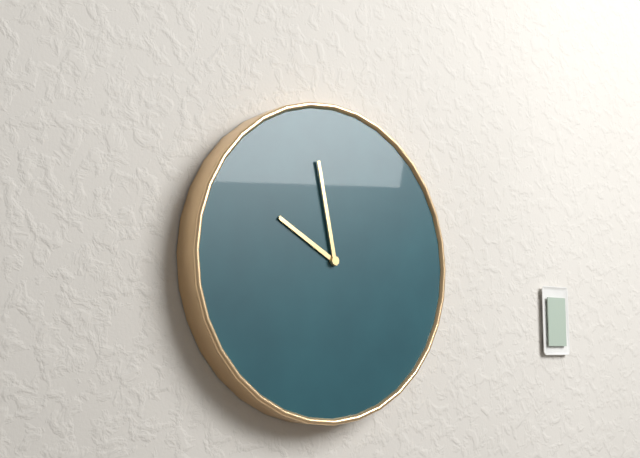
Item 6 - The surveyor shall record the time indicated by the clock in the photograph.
9:58
